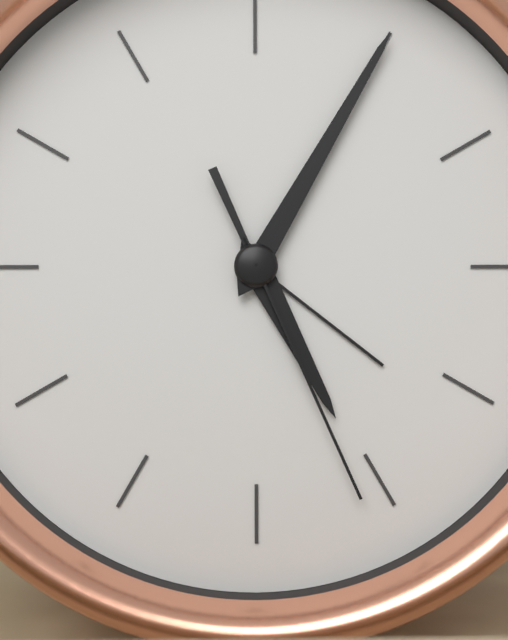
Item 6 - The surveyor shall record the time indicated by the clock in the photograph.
5:05:26
